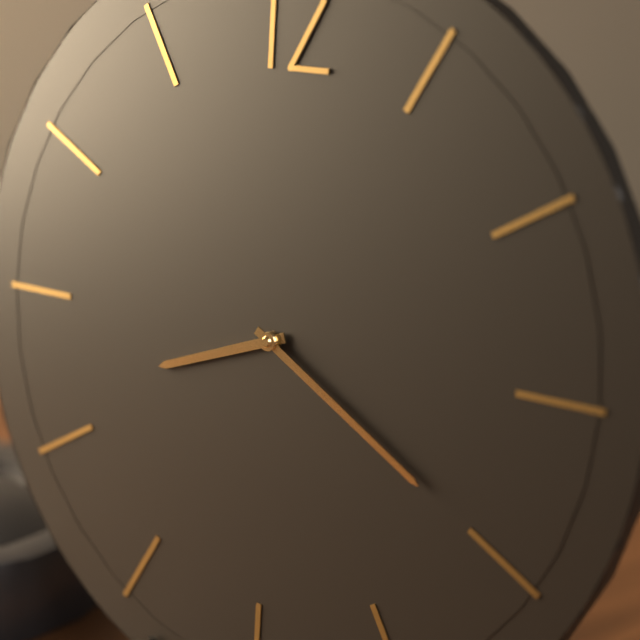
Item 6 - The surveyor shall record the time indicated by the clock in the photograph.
8:20
